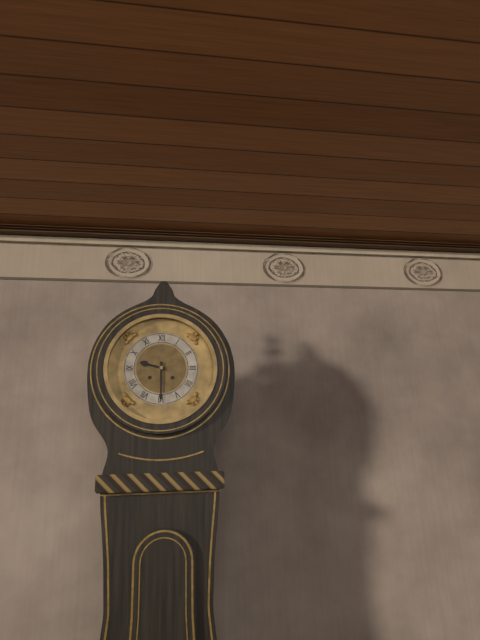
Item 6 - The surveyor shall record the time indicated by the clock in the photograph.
9:30
